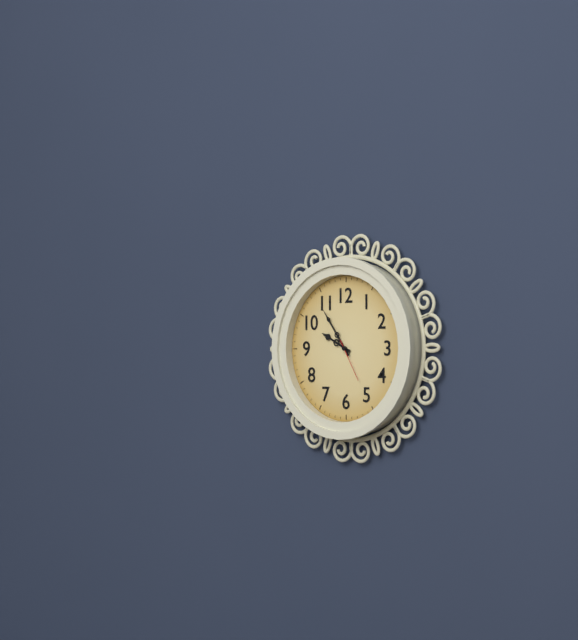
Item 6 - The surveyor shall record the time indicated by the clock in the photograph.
9:54
